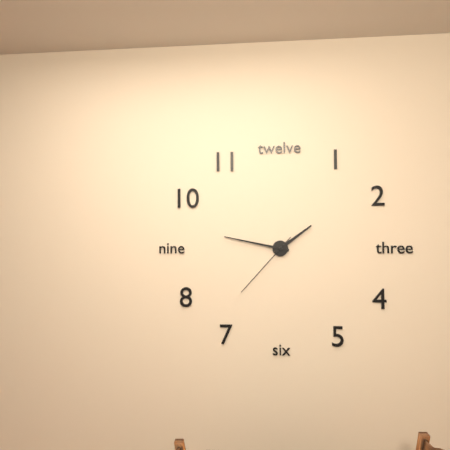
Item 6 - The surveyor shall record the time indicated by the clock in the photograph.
1:47:37
